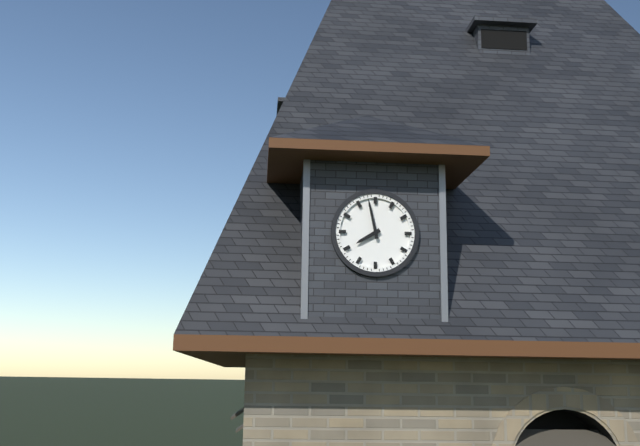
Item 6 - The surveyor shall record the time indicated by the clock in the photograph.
7:58
